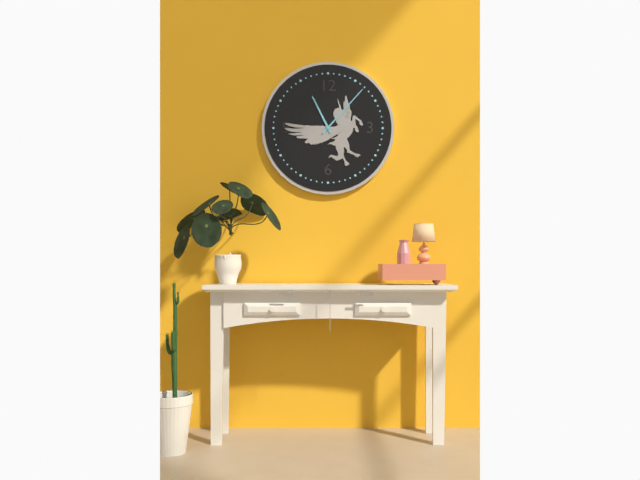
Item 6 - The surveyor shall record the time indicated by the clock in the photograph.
11:07
